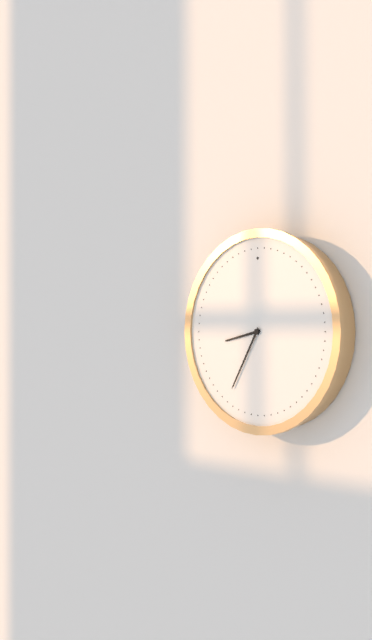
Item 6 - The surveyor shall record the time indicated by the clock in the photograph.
8:35
